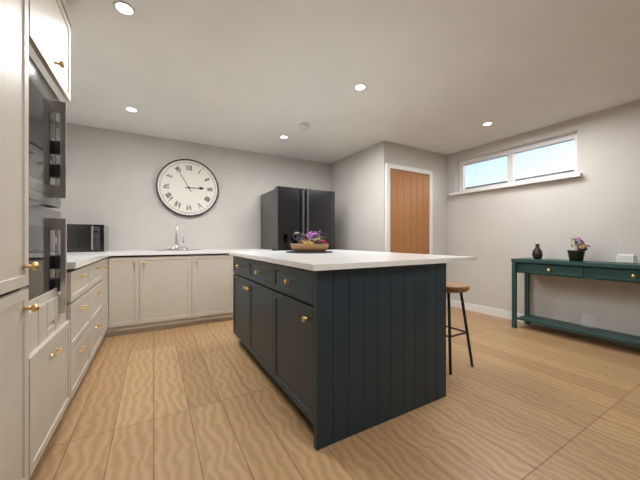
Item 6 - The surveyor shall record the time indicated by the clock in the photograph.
2:55
